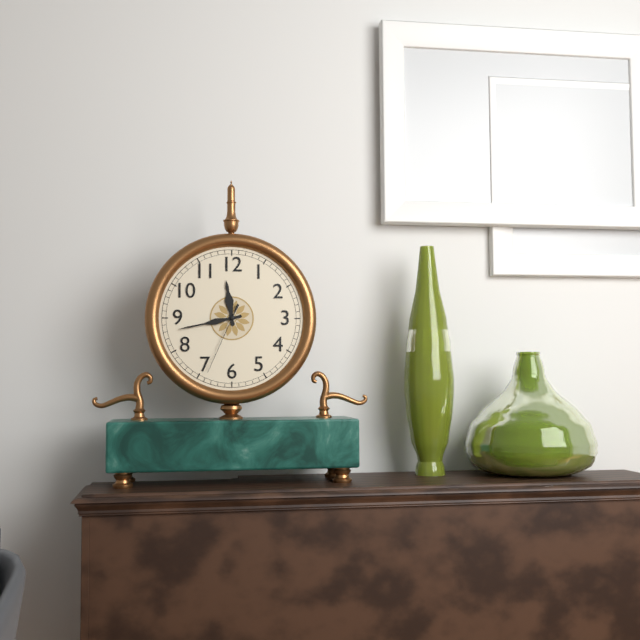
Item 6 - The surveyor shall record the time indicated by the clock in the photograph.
11:43:34
